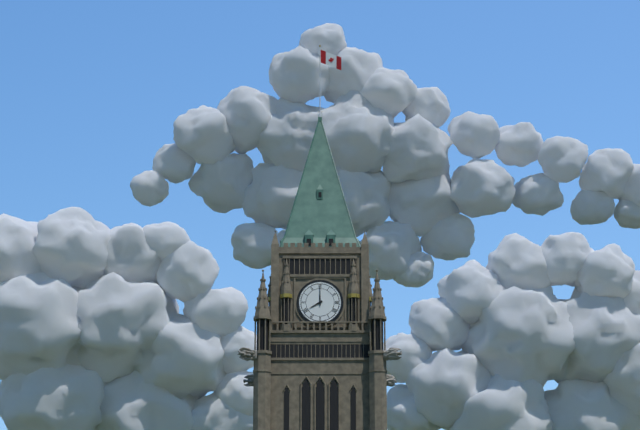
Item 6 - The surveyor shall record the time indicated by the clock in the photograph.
8:00
